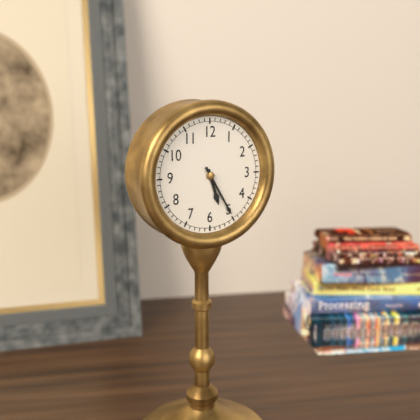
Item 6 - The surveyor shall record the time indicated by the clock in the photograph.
5:25
